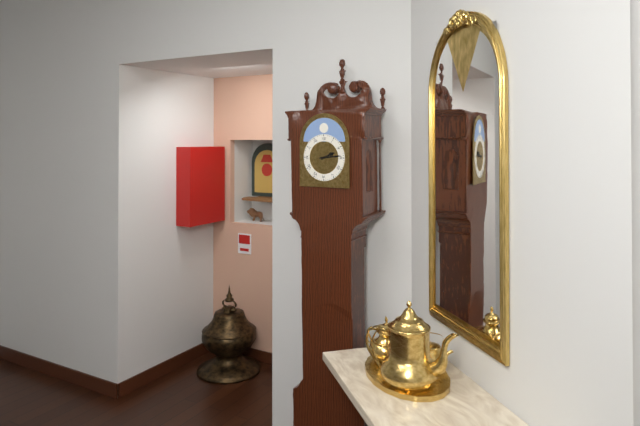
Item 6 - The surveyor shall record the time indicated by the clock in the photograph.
2:14
